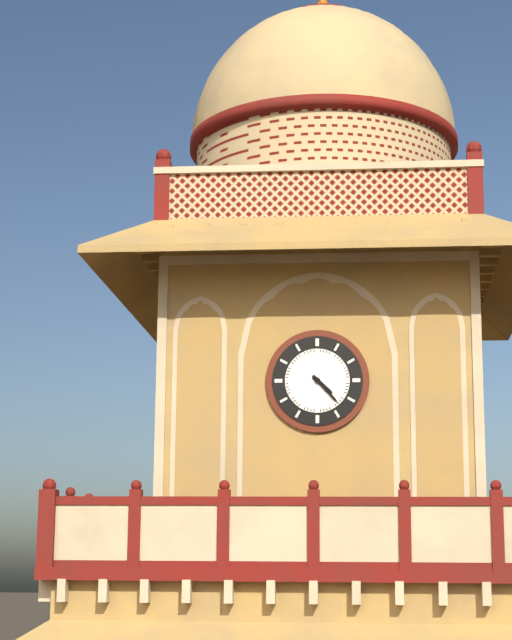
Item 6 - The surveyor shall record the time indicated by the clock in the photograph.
4:23
